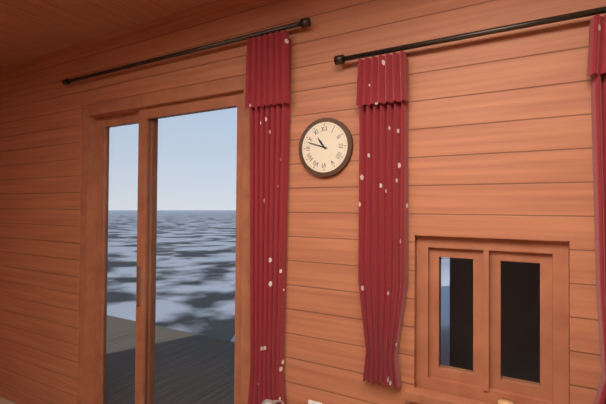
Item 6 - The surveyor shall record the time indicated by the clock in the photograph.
10:48
